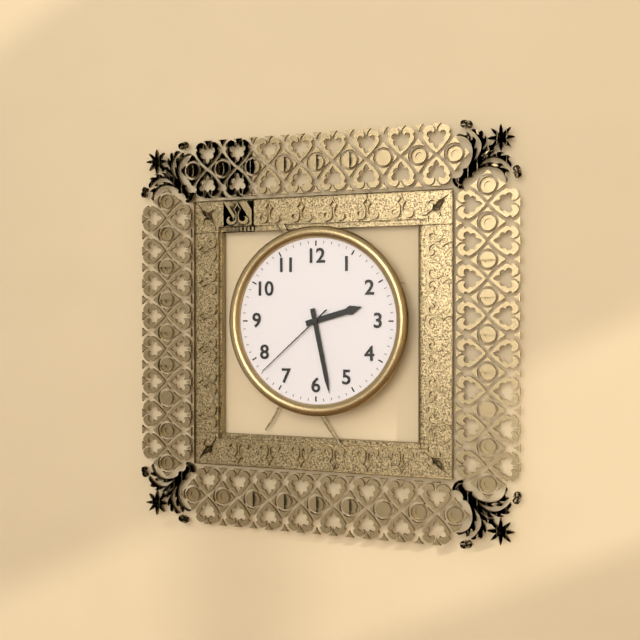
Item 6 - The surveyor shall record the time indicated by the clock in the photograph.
2:28:38
